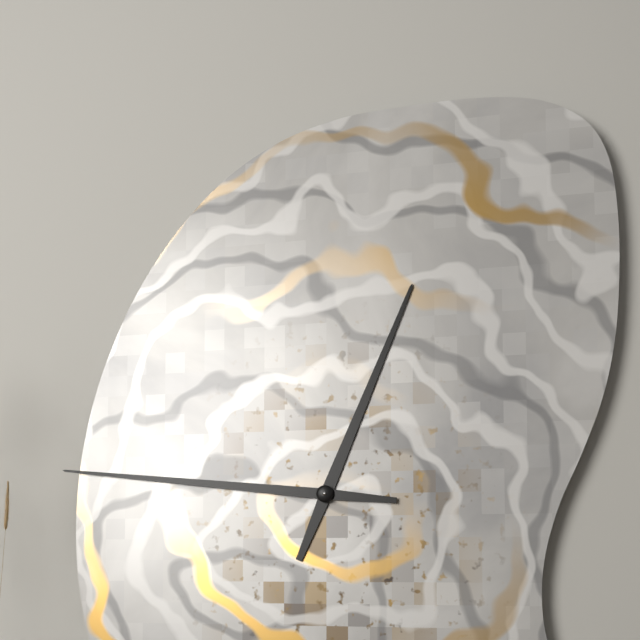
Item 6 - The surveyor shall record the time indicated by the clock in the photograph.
12:46
